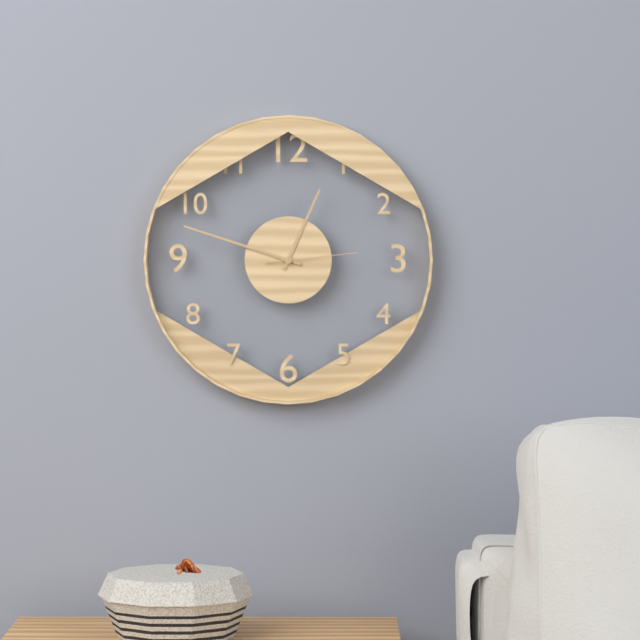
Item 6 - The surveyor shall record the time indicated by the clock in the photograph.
12:48:14
